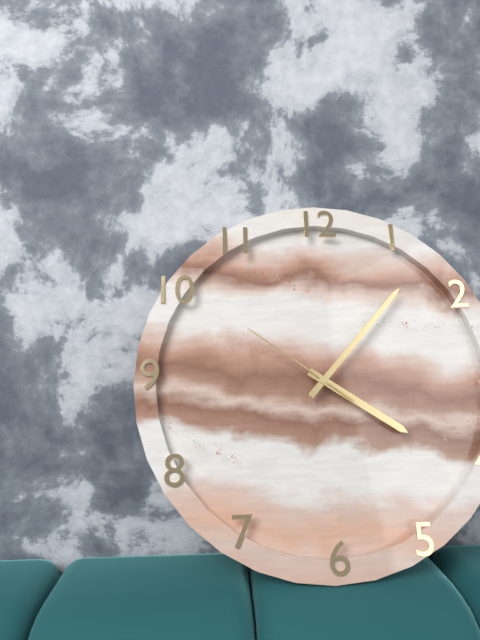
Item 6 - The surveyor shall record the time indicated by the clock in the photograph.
4:07:51
